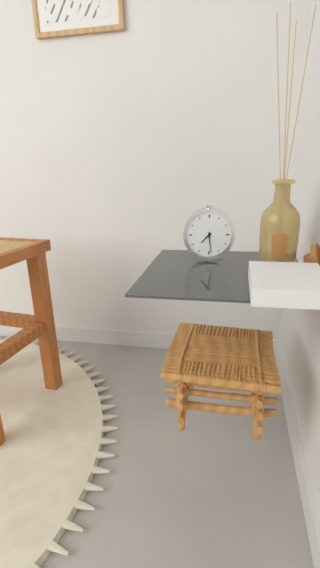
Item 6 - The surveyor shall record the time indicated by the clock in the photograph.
7:29
